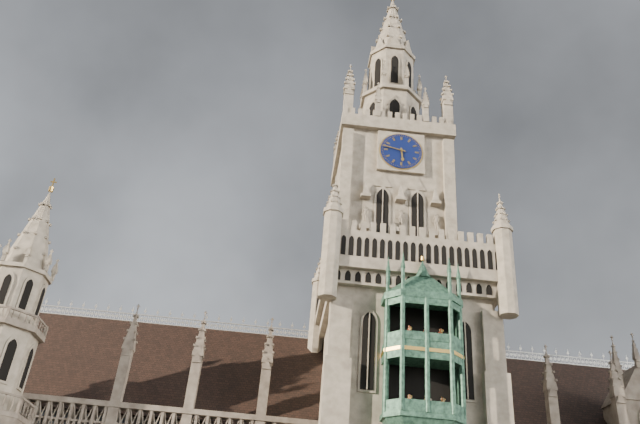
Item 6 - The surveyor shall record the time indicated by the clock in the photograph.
5:47
